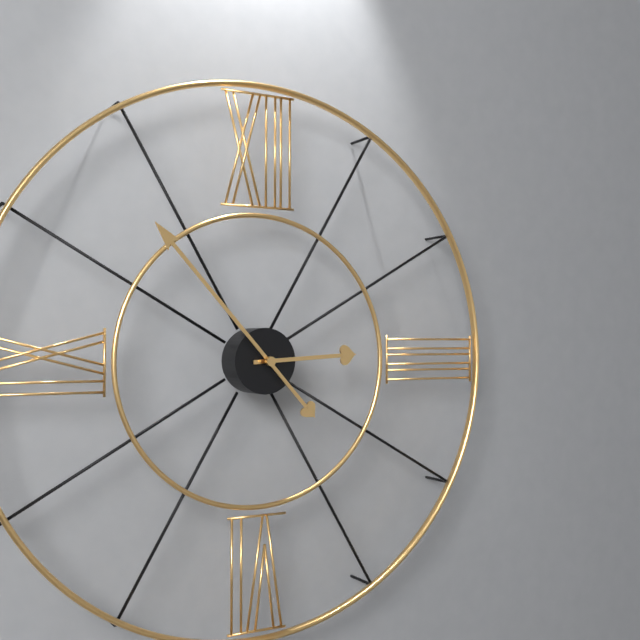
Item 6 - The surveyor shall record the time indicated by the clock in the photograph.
2:53
